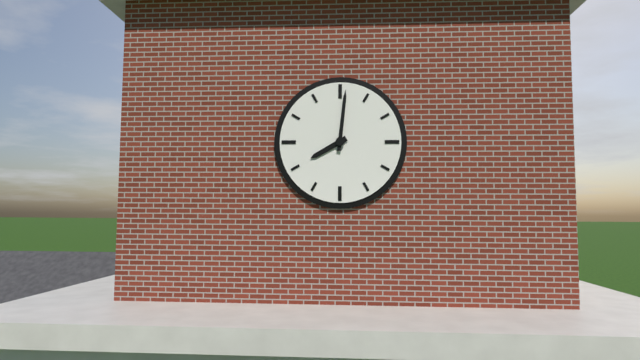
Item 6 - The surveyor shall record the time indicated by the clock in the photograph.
8:01
